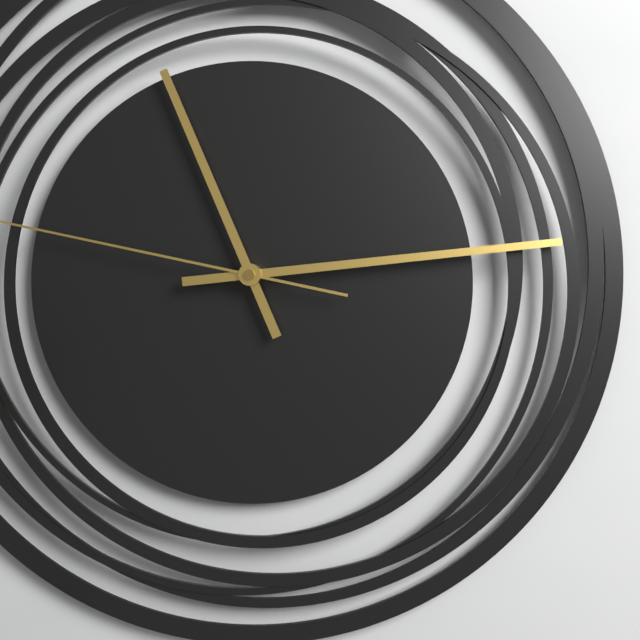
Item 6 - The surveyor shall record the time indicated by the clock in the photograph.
11:14
